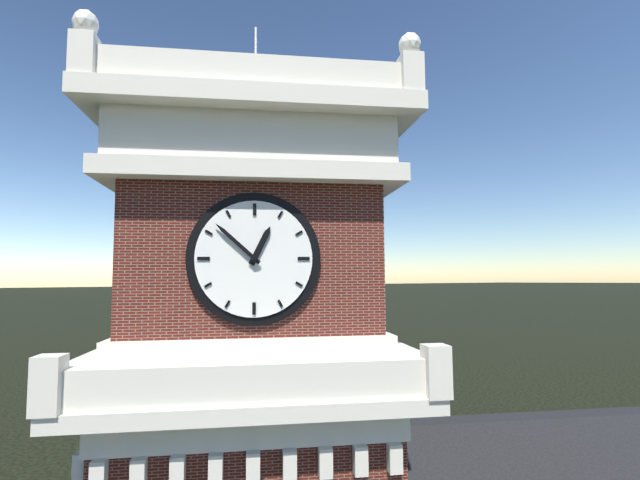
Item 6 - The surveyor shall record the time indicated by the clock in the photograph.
12:52
